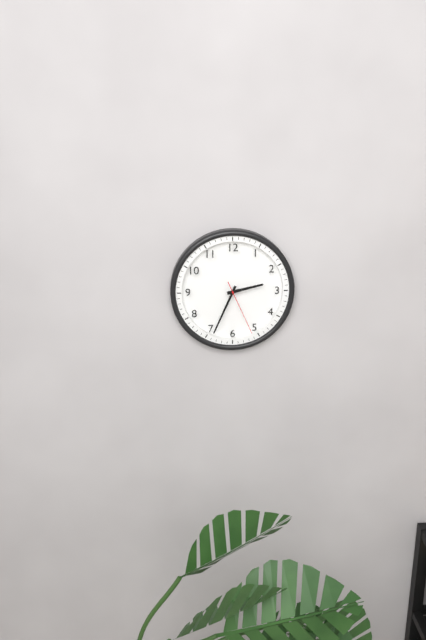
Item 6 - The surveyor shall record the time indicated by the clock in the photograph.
2:34:26
